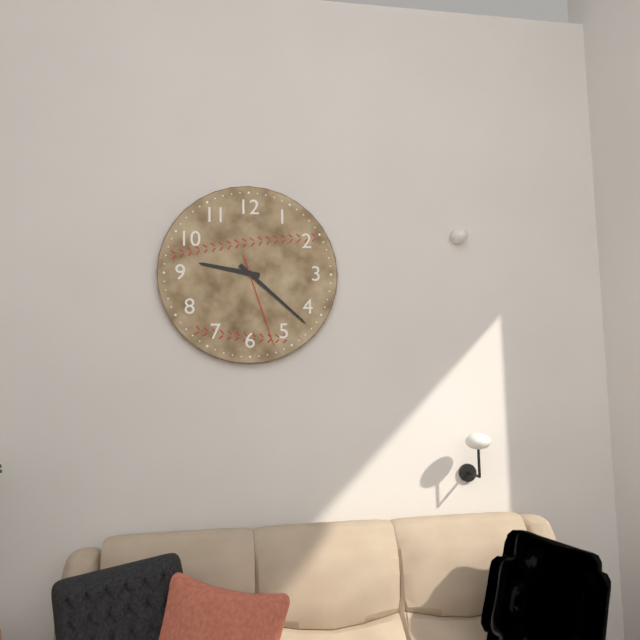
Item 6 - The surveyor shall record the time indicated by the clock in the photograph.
9:22:27
